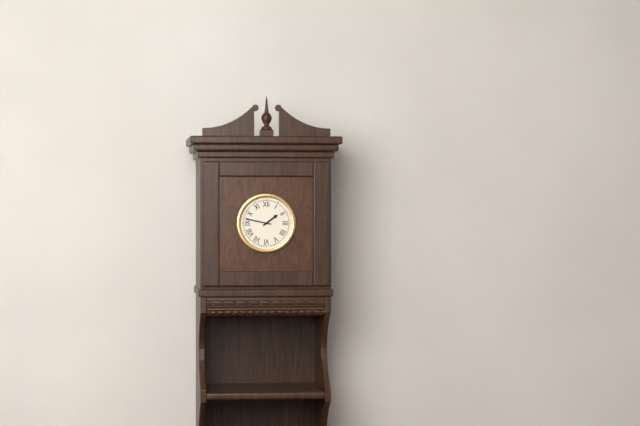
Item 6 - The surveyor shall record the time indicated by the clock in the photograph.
1:47
